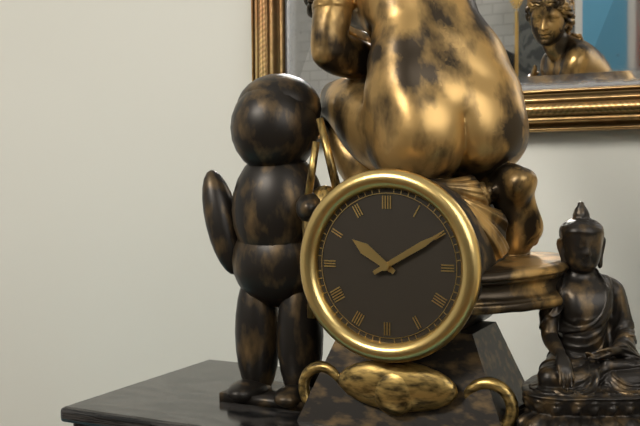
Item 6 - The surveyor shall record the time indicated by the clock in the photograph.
10:10
